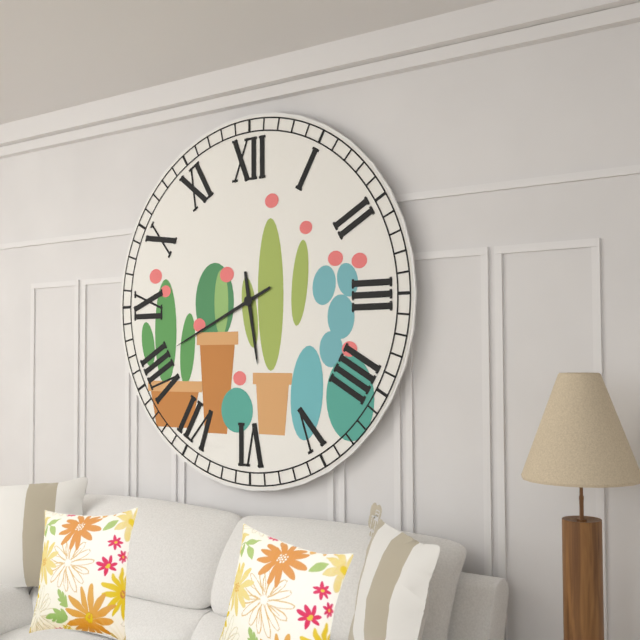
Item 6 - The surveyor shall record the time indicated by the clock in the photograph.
5:41
